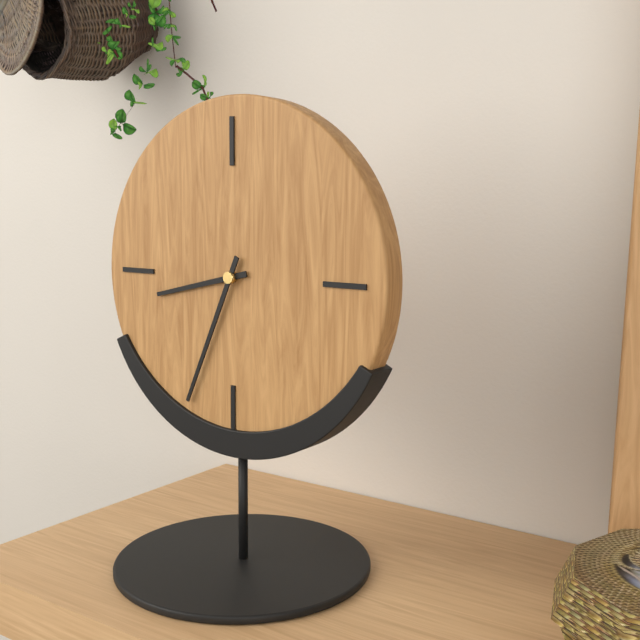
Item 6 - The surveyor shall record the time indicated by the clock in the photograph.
8:34
